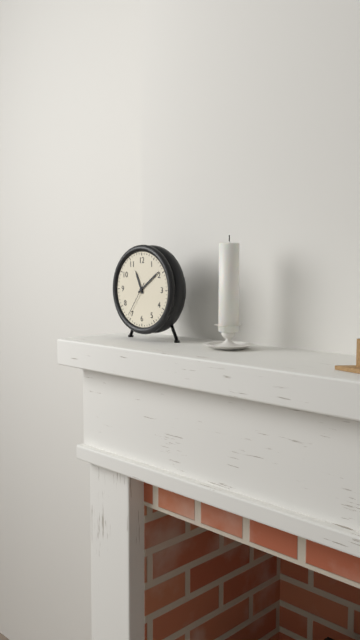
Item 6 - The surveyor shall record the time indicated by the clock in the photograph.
11:09
